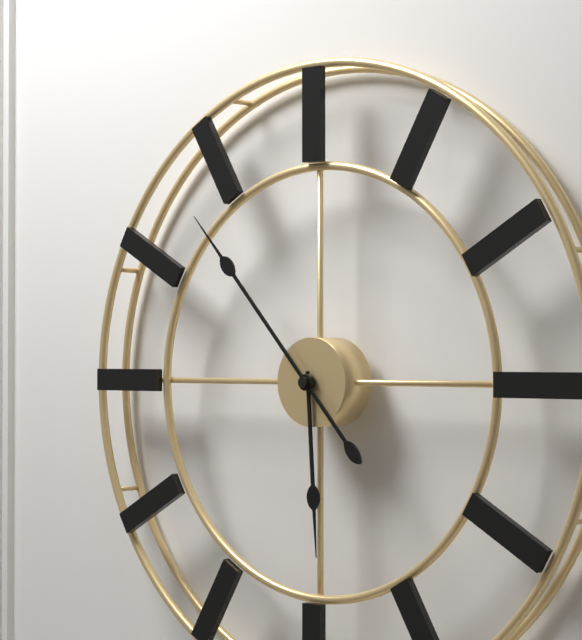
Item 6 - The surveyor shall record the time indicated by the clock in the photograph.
5:53
